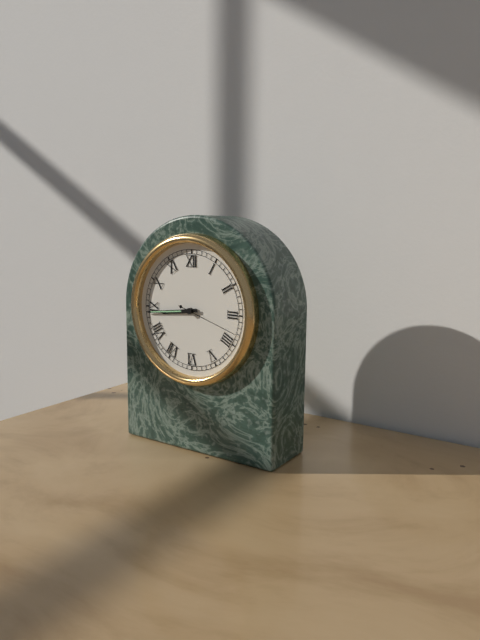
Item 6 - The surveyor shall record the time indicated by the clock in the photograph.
8:44:18
